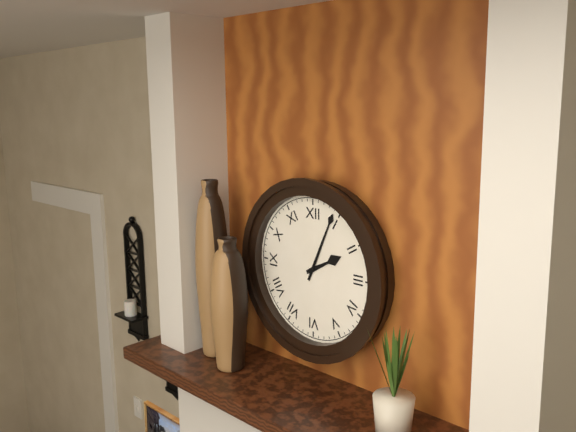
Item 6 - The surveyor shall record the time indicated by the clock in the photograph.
2:04
